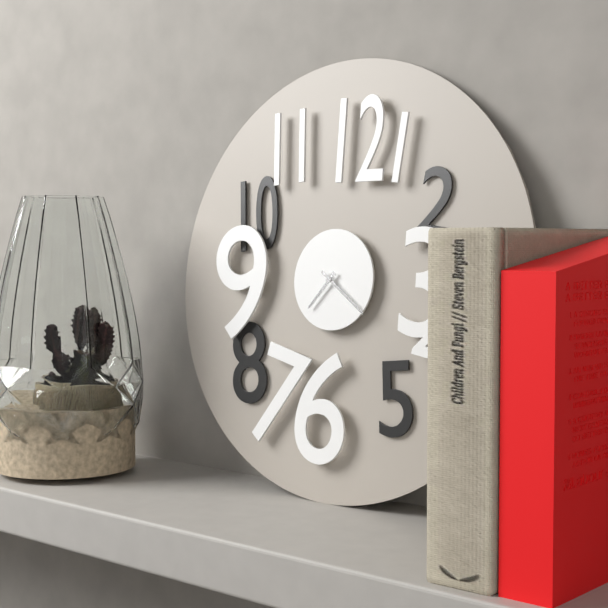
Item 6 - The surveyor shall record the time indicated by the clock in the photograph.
7:21
